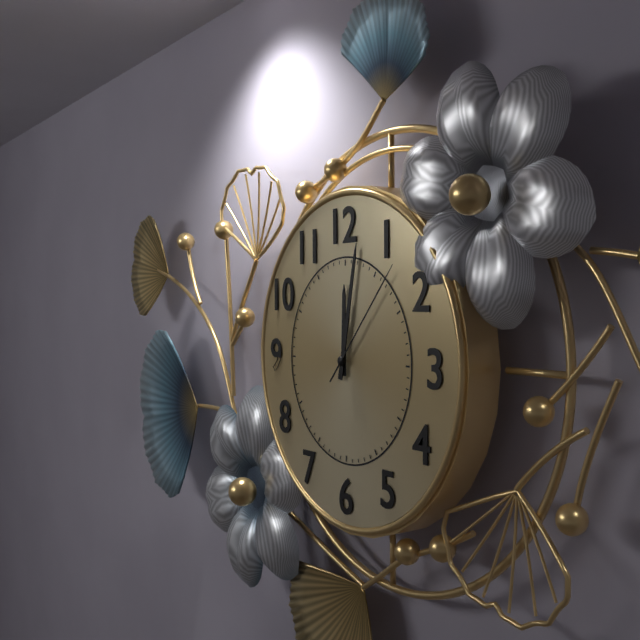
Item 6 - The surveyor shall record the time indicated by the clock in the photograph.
12:02:07
